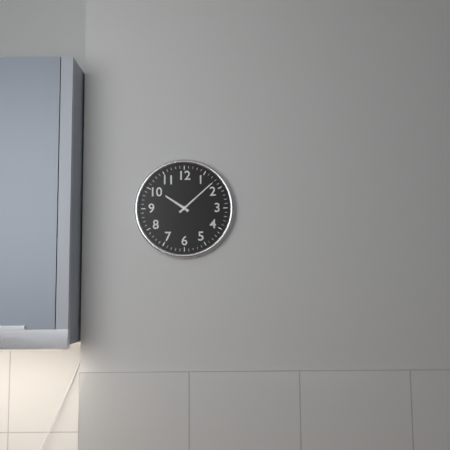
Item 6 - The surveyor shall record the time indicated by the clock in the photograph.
10:08
